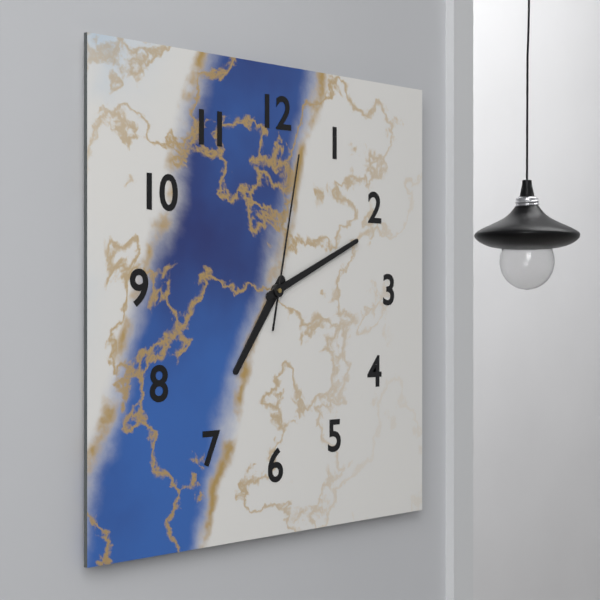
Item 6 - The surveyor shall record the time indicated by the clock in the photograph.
7:11:02
